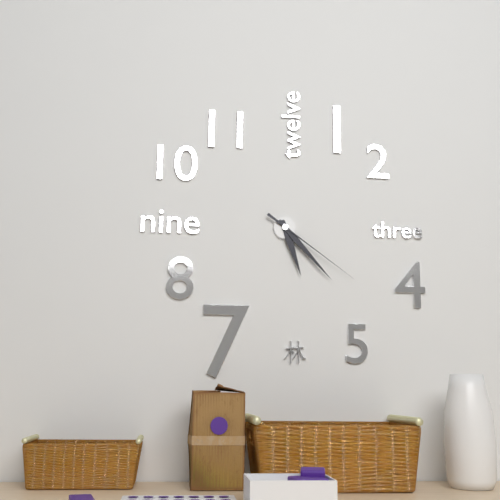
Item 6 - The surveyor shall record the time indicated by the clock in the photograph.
5:23:21
